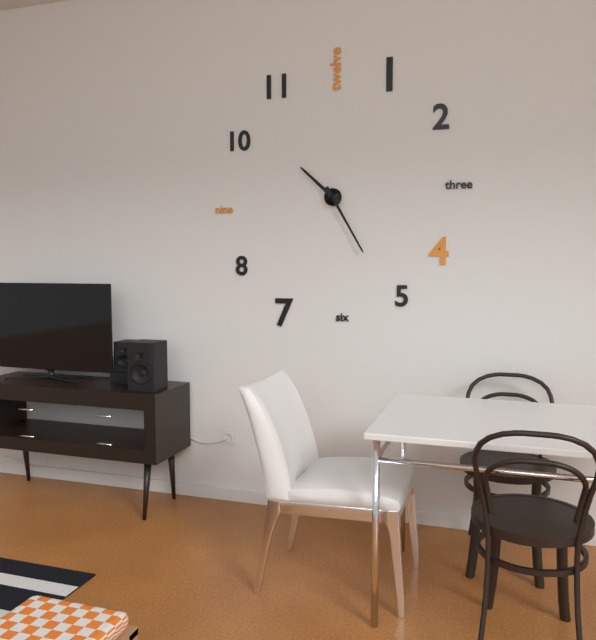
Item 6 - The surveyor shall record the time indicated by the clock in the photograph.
10:25
